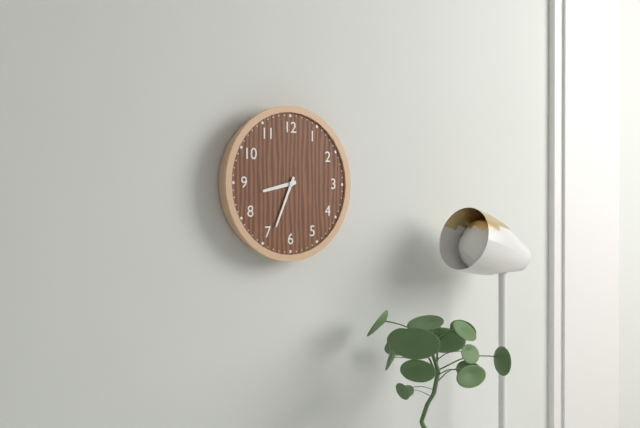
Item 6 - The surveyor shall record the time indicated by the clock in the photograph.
8:34
